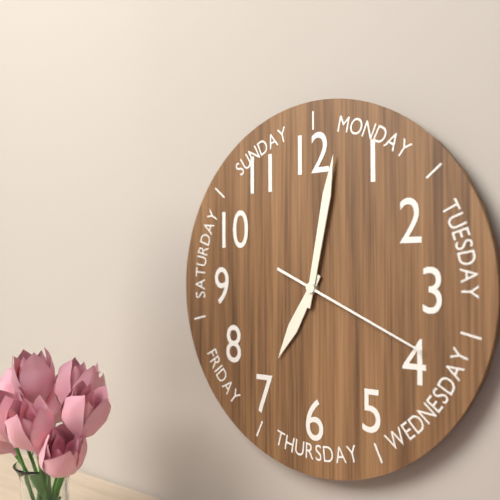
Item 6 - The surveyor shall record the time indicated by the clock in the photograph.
7:02:19
